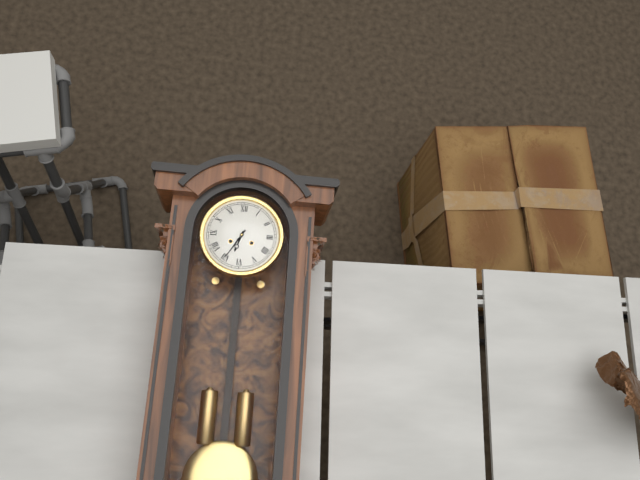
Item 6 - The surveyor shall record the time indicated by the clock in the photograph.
6:35
